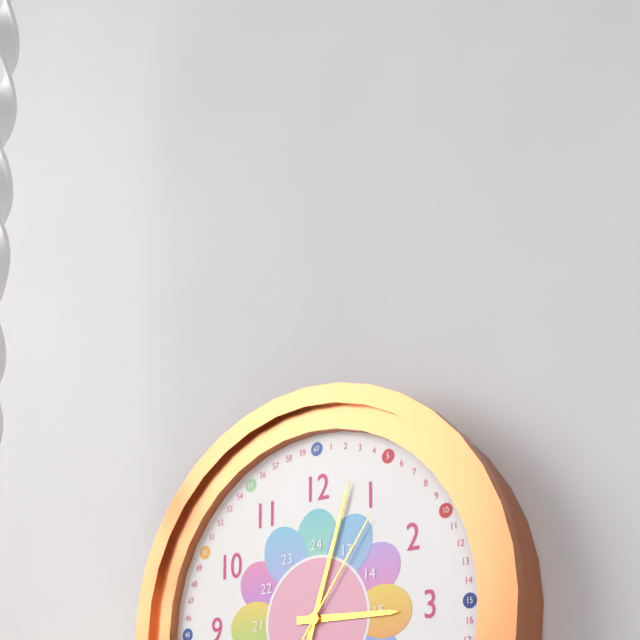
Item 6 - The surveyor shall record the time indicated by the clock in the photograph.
3:03:06
